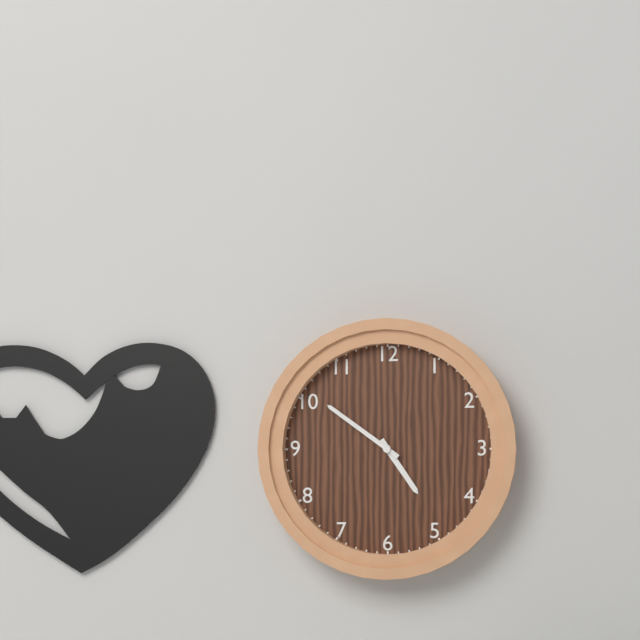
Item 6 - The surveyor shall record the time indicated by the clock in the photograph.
4:51
